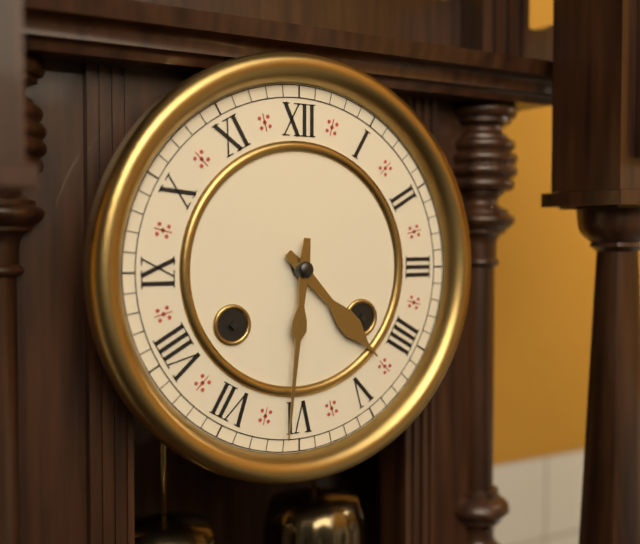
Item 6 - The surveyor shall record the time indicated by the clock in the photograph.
4:31
